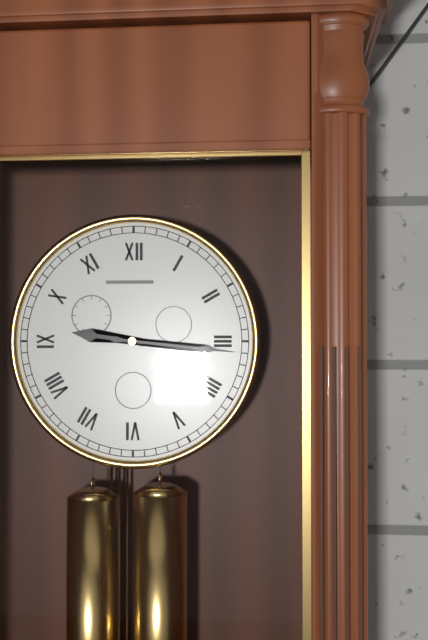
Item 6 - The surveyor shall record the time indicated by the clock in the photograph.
9:16
